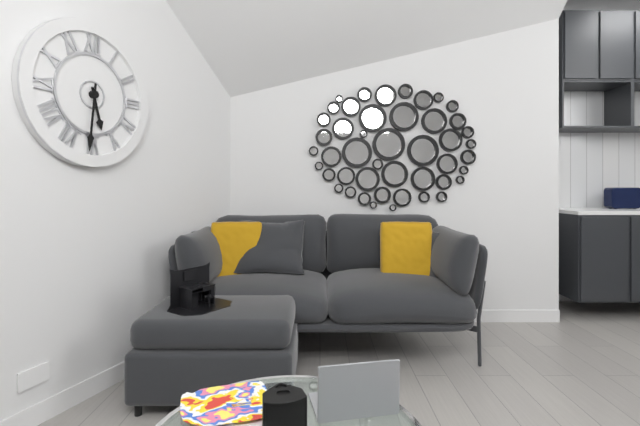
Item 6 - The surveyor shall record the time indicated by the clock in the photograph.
5:31
